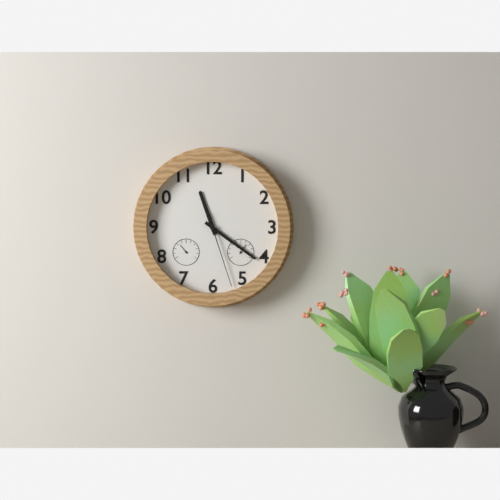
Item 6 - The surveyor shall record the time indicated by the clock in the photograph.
11:21:27
